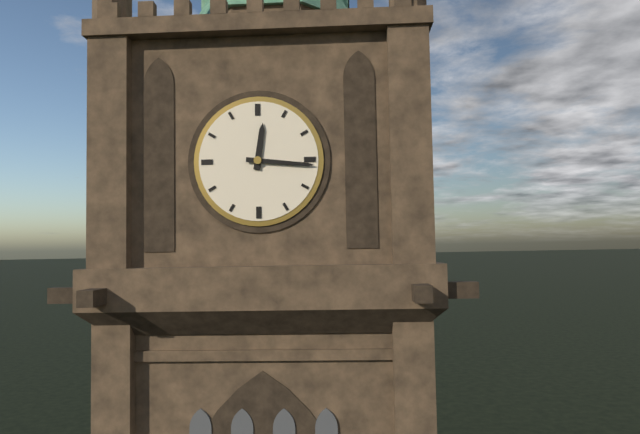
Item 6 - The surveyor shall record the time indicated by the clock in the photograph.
12:16
